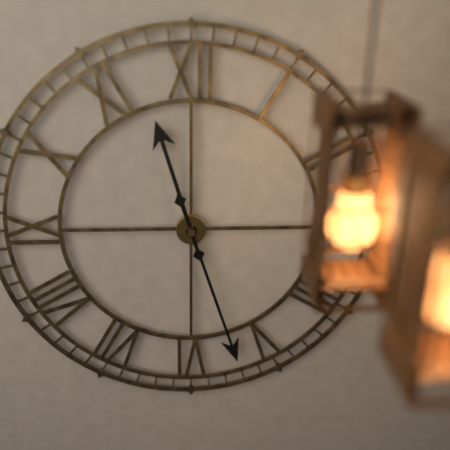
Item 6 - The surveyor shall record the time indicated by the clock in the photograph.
11:27
